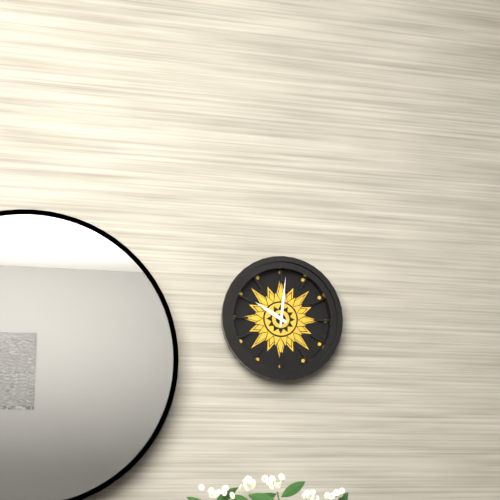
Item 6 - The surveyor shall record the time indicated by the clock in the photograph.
10:01
